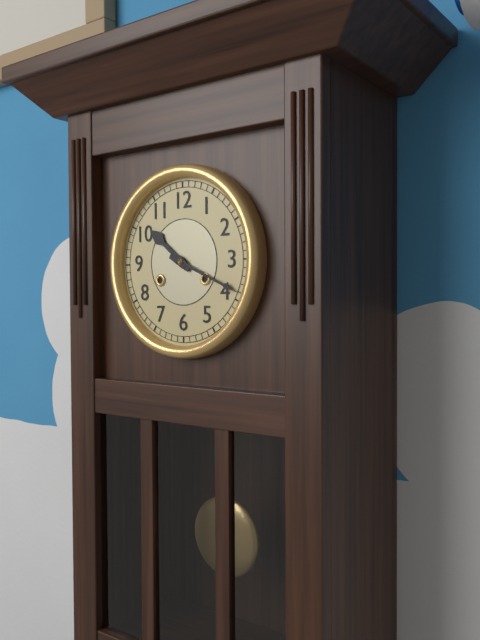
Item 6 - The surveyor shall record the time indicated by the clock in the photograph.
10:19
